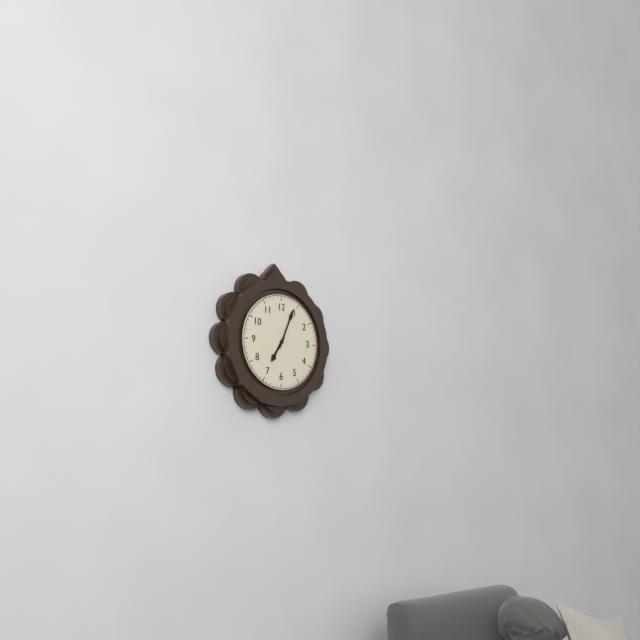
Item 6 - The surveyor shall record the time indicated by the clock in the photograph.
7:04
